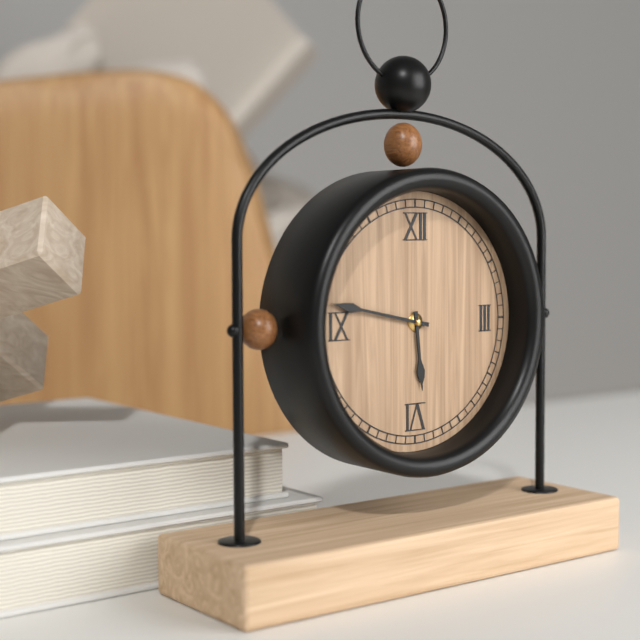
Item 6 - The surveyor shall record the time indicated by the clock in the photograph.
5:47
